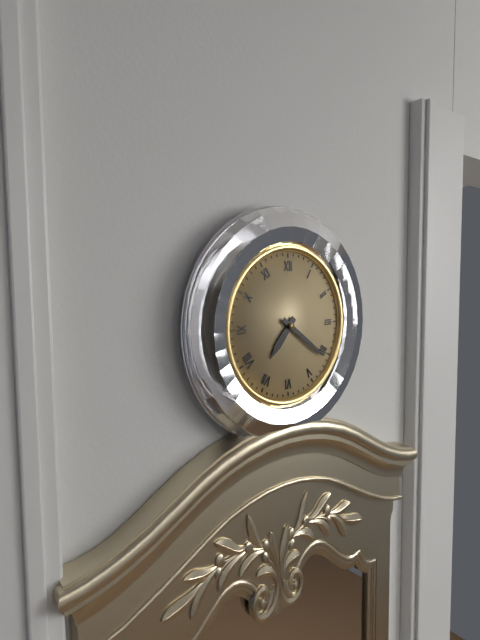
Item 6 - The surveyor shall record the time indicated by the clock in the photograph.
7:21
